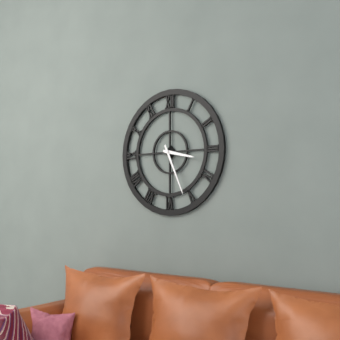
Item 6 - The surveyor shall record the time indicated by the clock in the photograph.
3:26
